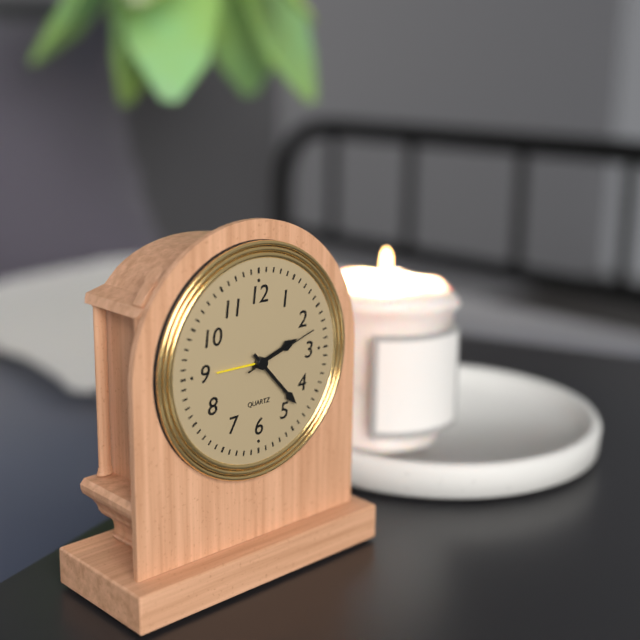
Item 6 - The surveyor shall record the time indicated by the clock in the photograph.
2:23:12
